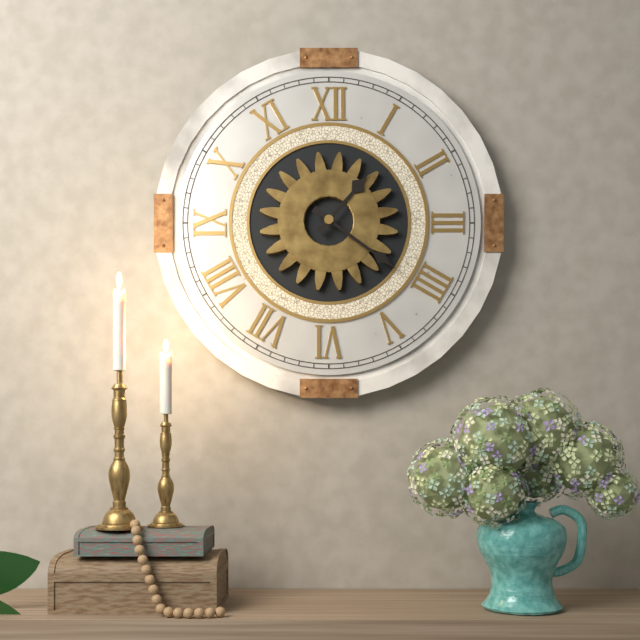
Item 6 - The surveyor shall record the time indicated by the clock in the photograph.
1:21
